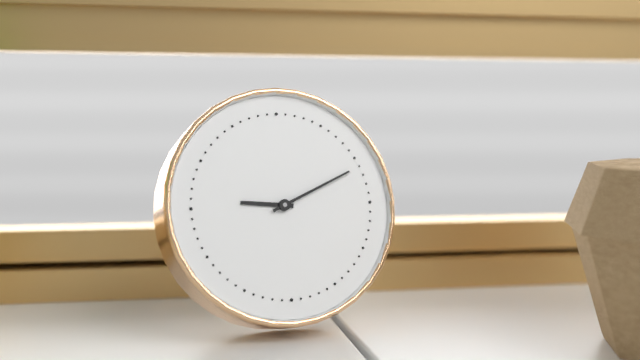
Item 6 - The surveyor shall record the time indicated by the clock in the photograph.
9:11
